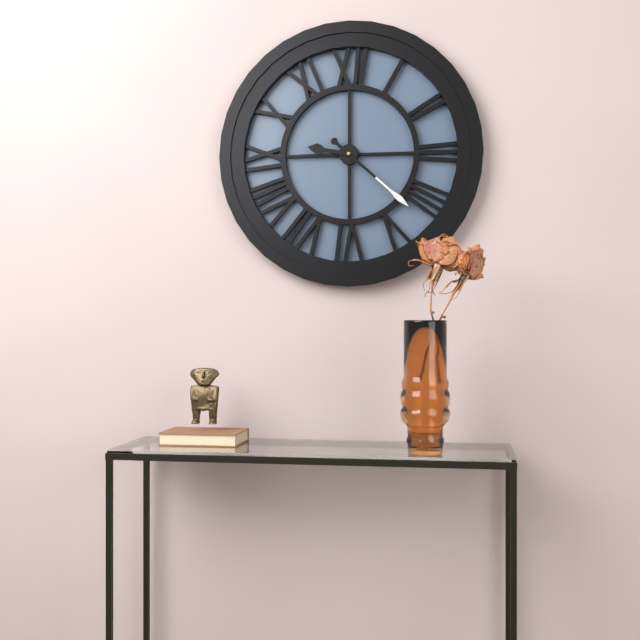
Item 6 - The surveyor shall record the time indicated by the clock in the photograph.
9:22
